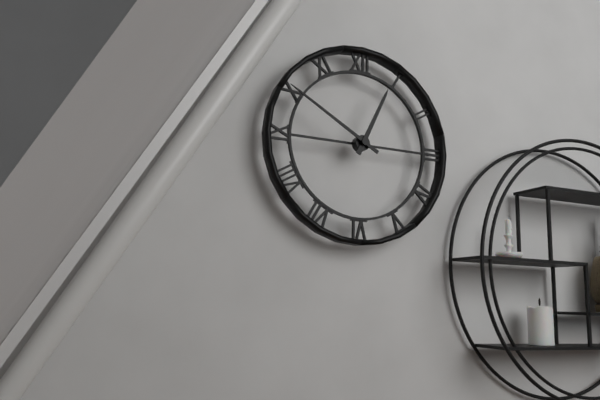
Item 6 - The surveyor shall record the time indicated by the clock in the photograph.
12:50
